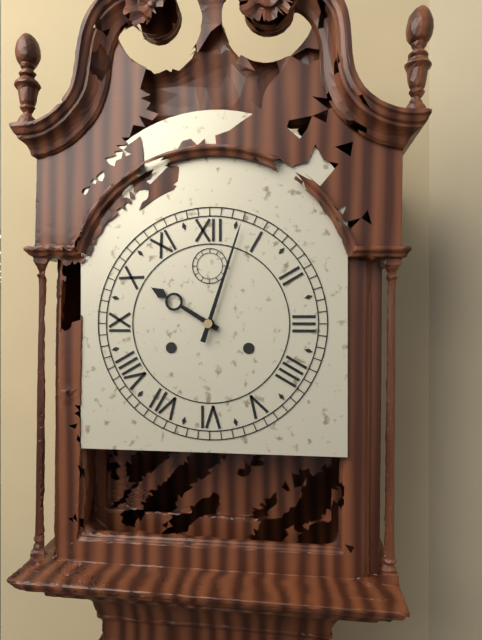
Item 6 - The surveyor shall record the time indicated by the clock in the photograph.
10:03
